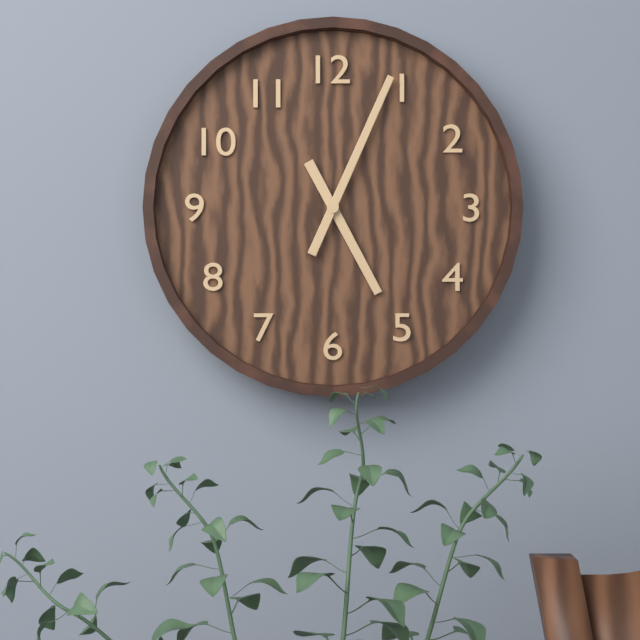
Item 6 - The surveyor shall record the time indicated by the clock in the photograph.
5:04
